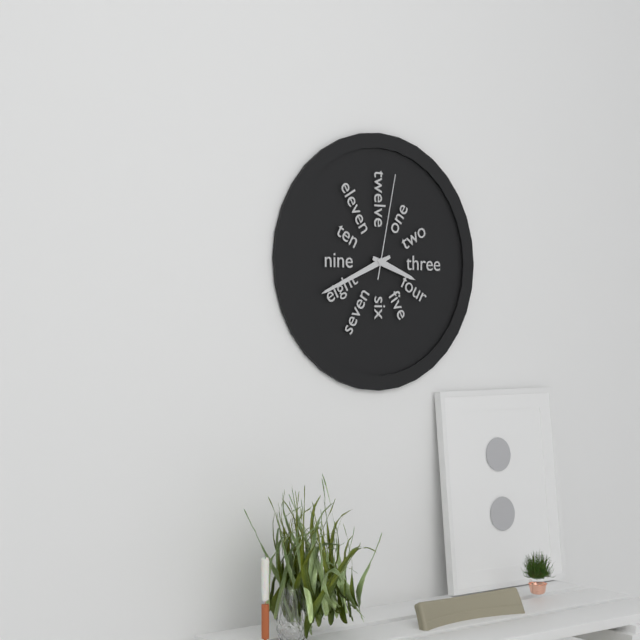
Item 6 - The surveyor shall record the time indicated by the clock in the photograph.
3:41:02
